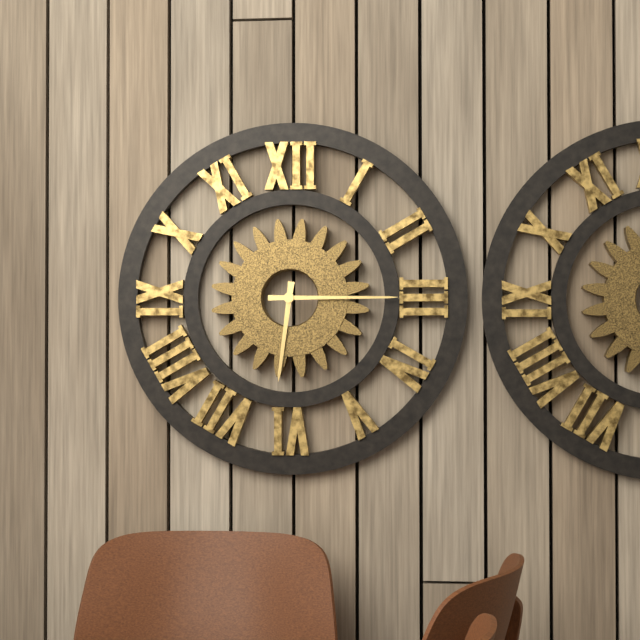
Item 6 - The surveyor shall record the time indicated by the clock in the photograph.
6:15
